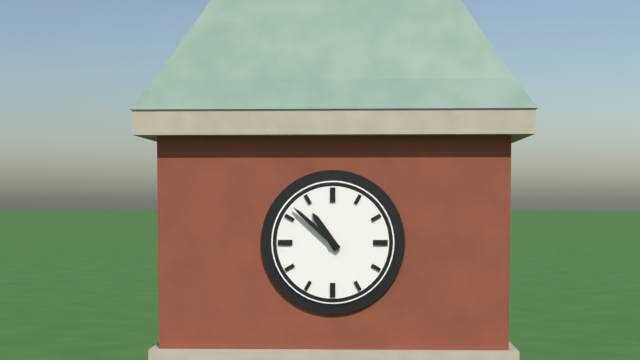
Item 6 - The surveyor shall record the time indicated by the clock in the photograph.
10:52
